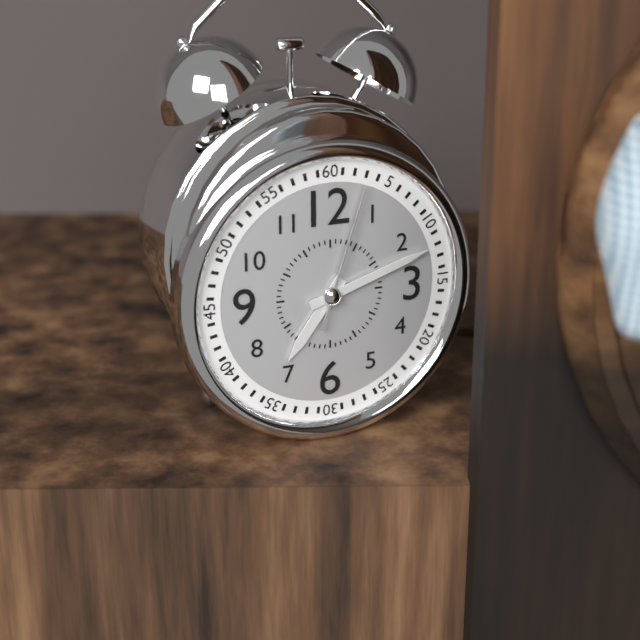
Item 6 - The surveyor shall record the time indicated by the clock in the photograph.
7:12:03
